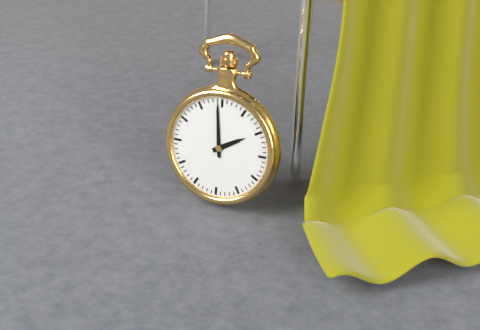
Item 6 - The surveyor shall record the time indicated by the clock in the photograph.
1:59
